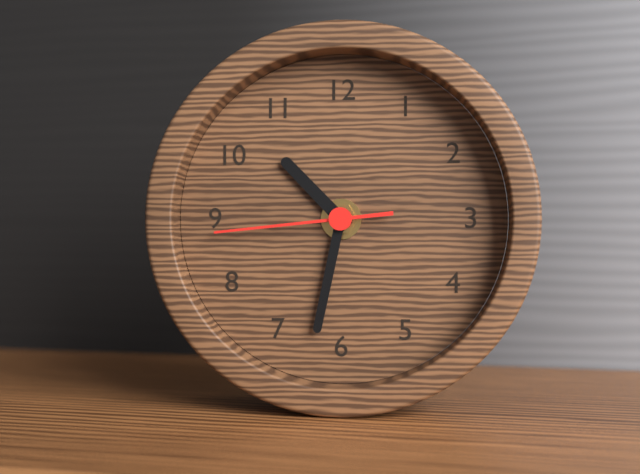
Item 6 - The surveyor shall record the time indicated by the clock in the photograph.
10:32:44
